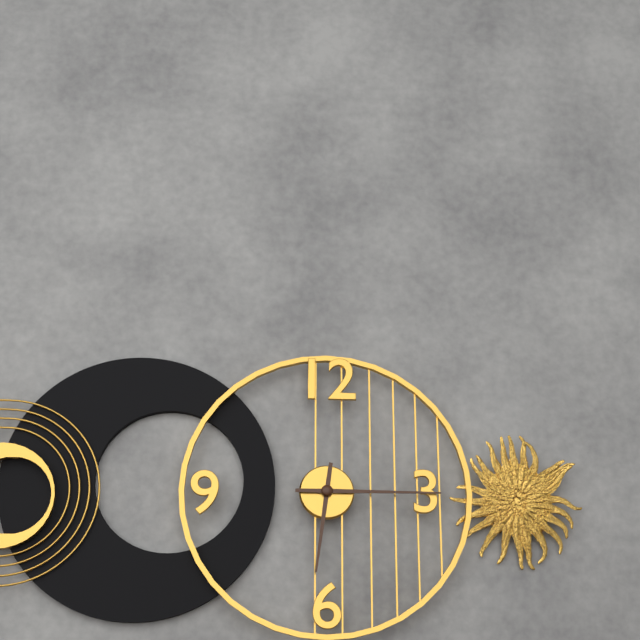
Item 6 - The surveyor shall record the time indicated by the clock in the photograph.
6:15
